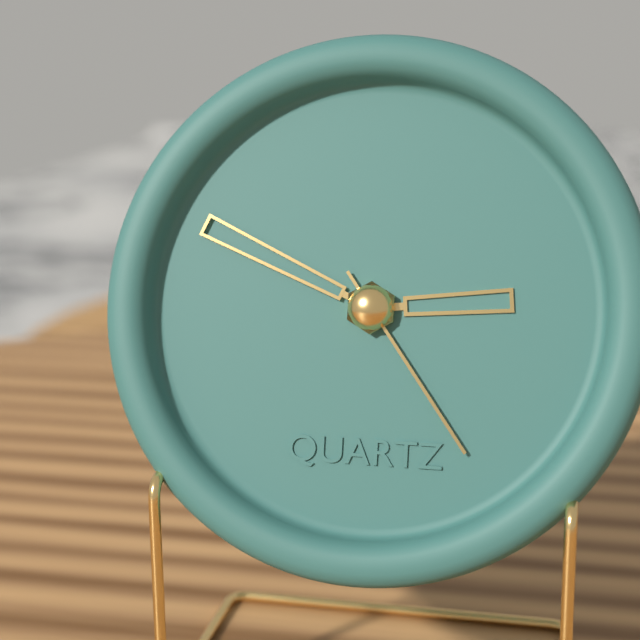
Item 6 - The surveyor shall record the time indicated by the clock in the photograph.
2:49:24
